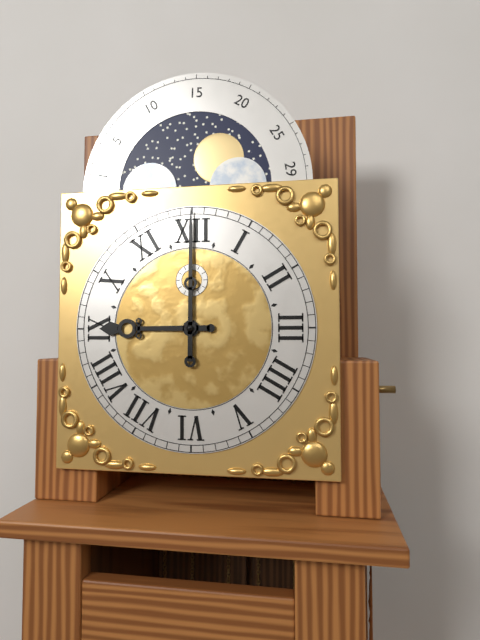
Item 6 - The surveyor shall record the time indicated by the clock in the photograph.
9:00
